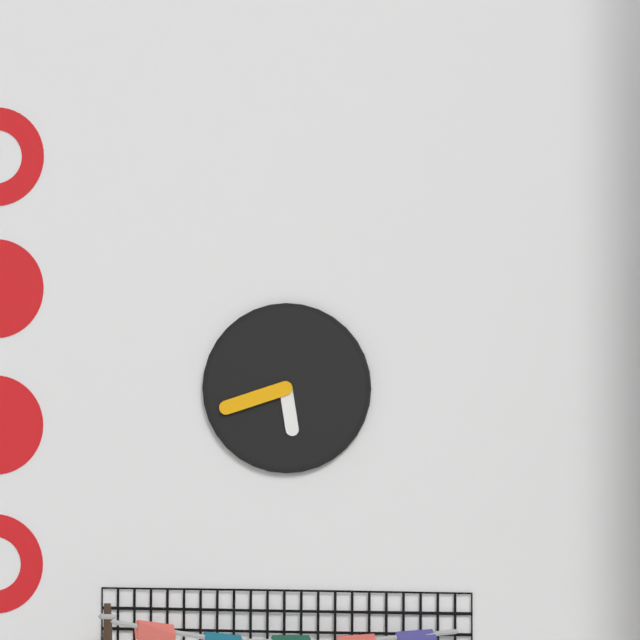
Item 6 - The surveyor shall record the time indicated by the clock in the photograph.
5:42
